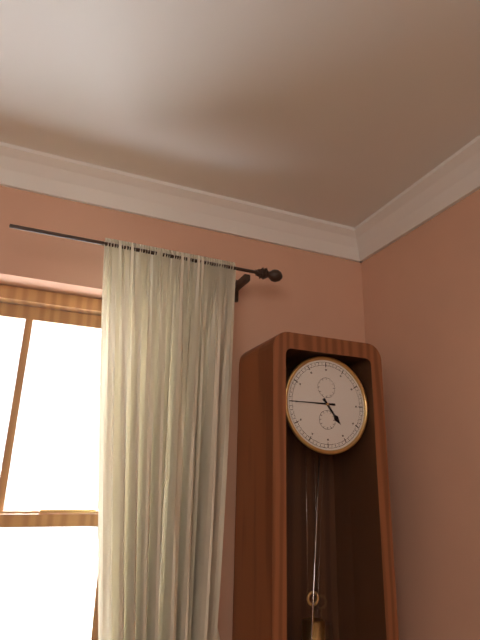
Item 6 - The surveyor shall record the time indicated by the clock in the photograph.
4:45
